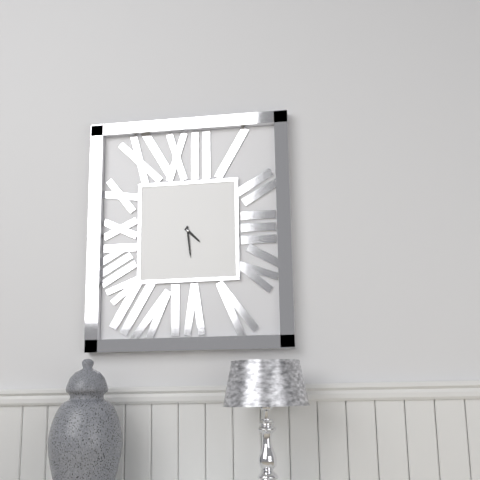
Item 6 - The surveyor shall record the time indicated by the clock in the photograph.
4:29
